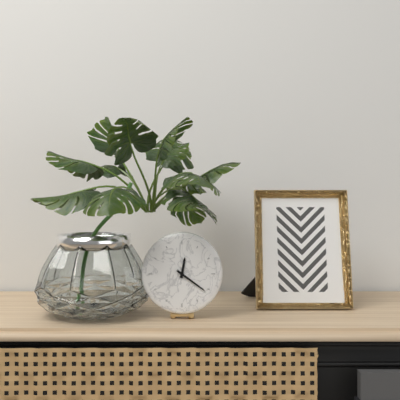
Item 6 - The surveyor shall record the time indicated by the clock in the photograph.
12:21
